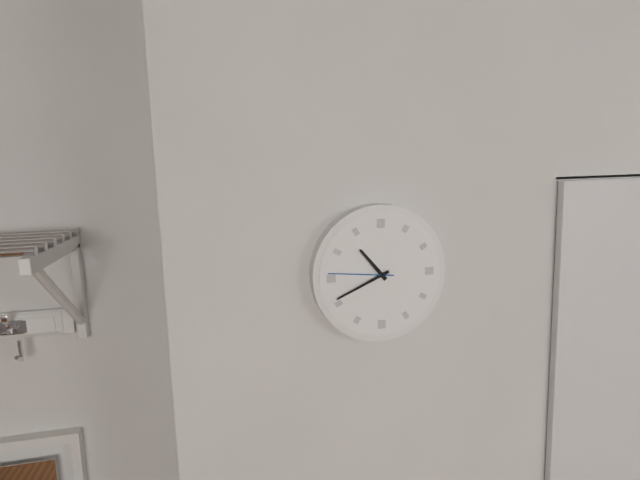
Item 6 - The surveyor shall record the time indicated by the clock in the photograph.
10:41:46
